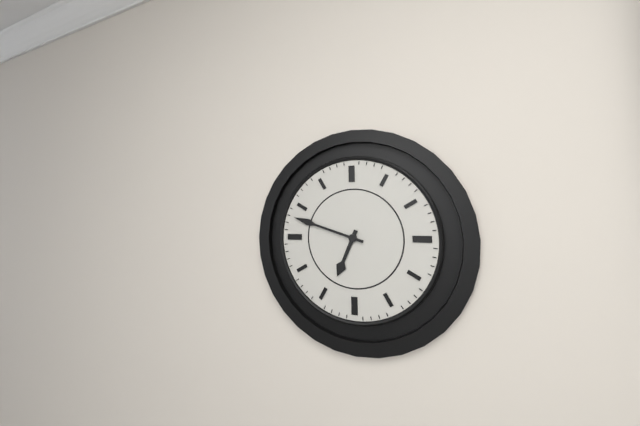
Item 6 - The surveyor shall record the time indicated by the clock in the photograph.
6:48
